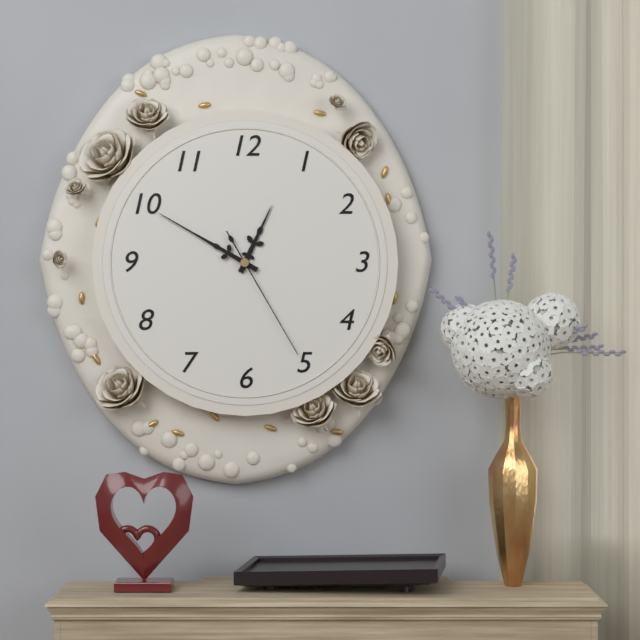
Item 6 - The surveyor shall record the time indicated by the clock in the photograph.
12:50:25
